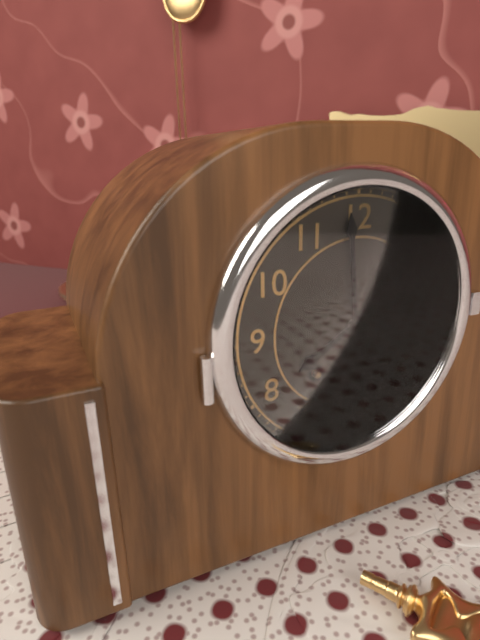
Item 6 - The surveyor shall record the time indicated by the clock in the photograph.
7:59
